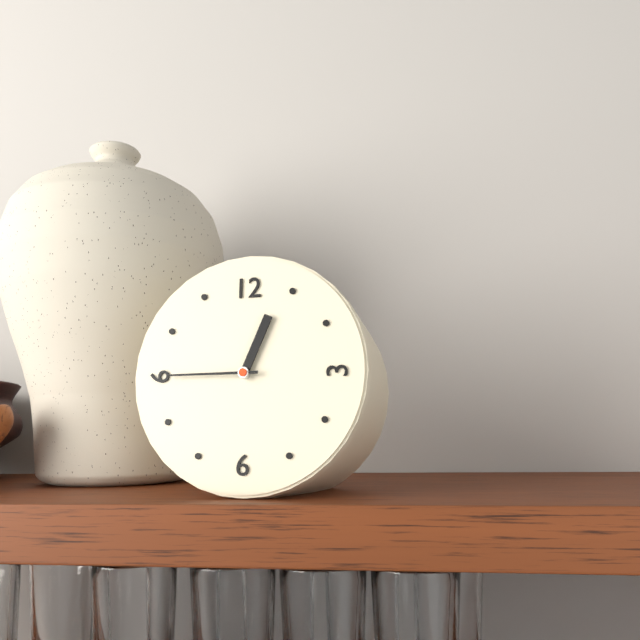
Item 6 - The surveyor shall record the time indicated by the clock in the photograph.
12:45
